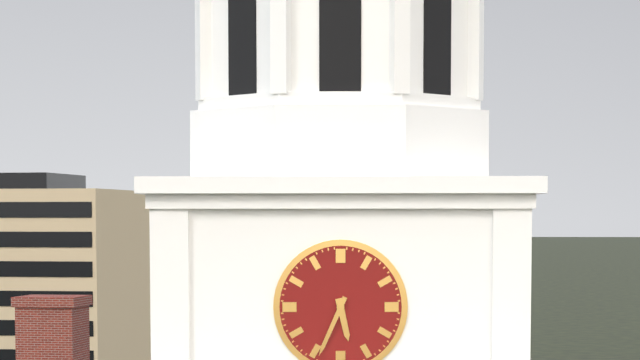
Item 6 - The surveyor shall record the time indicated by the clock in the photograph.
5:34
